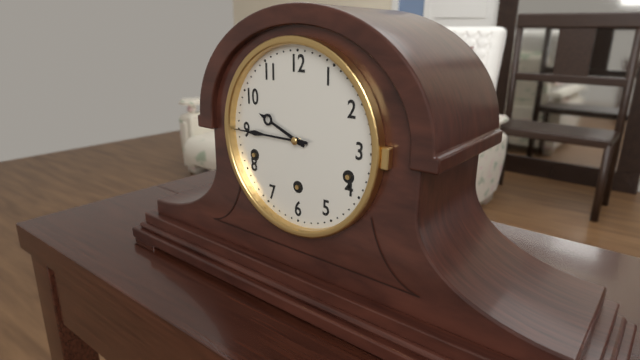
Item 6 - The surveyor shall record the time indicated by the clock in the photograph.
9:45
